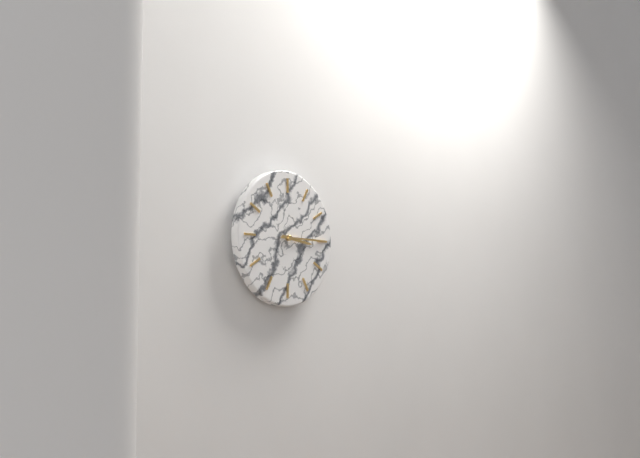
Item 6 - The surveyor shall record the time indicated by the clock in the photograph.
3:15
